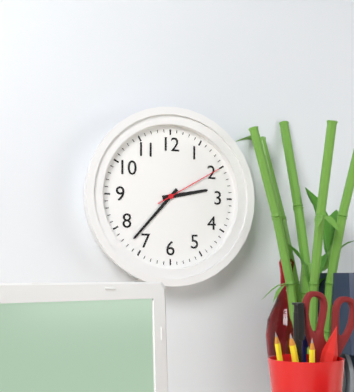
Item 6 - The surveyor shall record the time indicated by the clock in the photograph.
2:37:10
